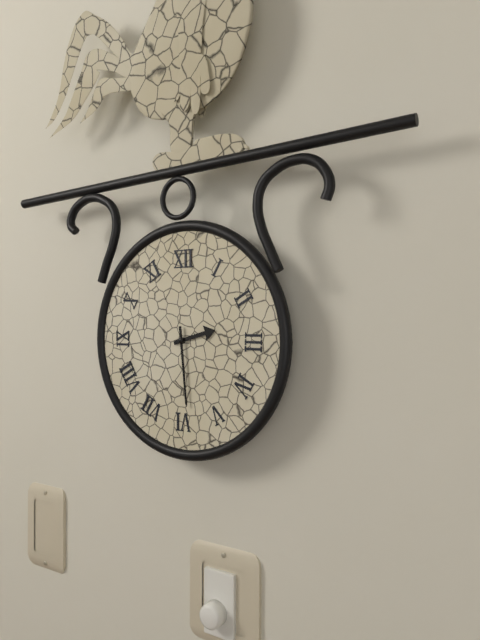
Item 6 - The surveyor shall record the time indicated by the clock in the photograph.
2:29
